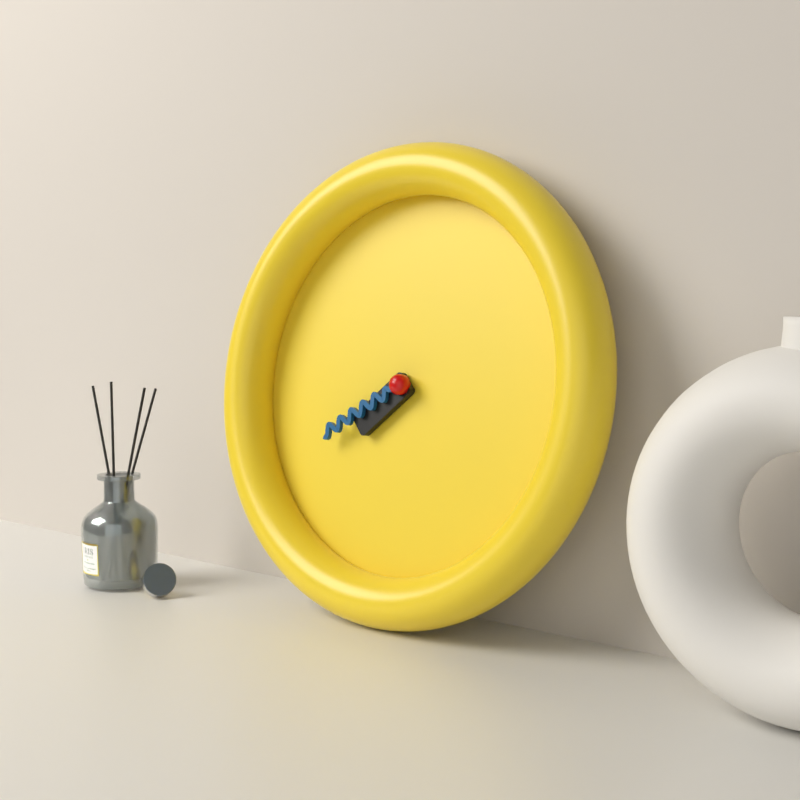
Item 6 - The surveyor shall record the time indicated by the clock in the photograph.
7:40
